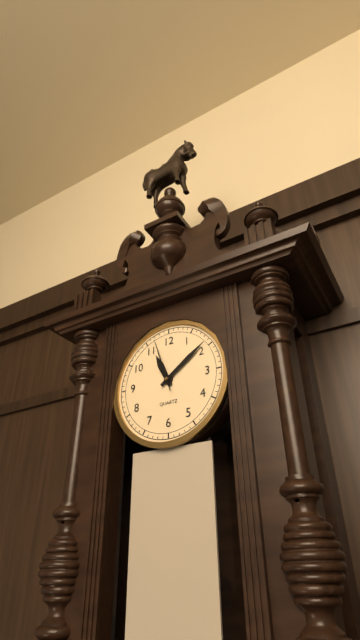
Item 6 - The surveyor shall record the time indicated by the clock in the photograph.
11:09:57
